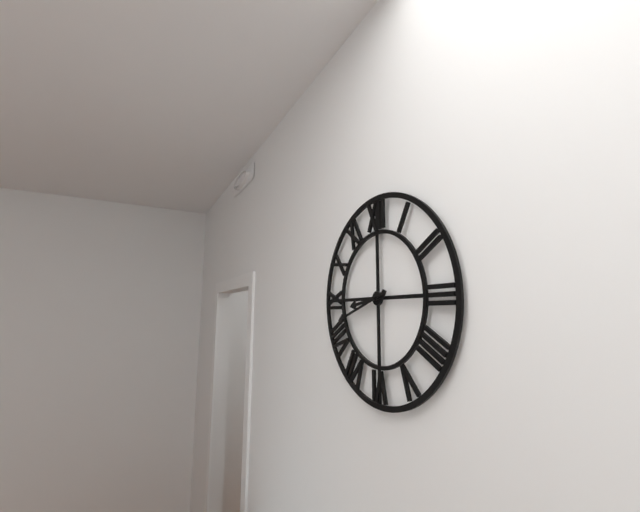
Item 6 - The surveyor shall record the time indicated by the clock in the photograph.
8:42
